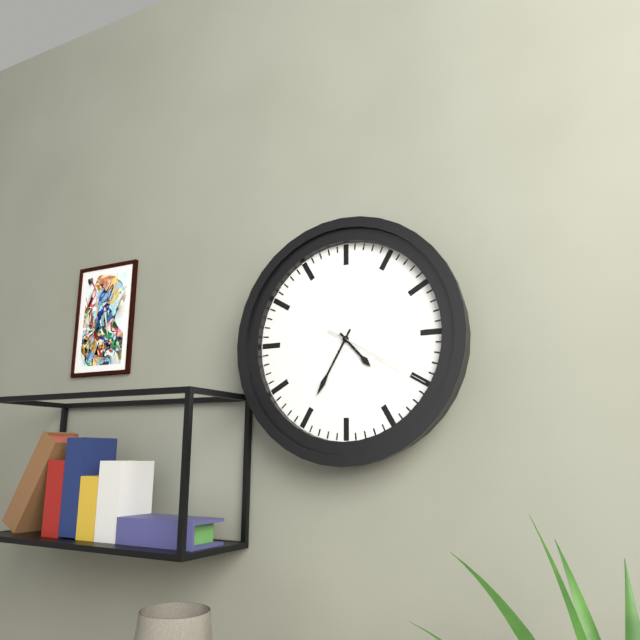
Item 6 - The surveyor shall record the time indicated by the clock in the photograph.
4:35:20
